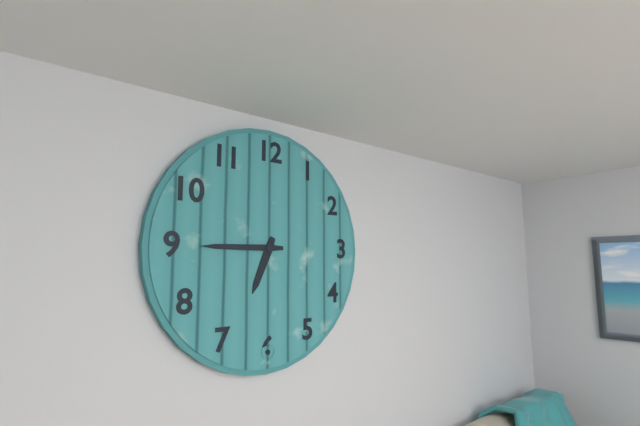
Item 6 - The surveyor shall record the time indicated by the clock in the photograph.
6:45
